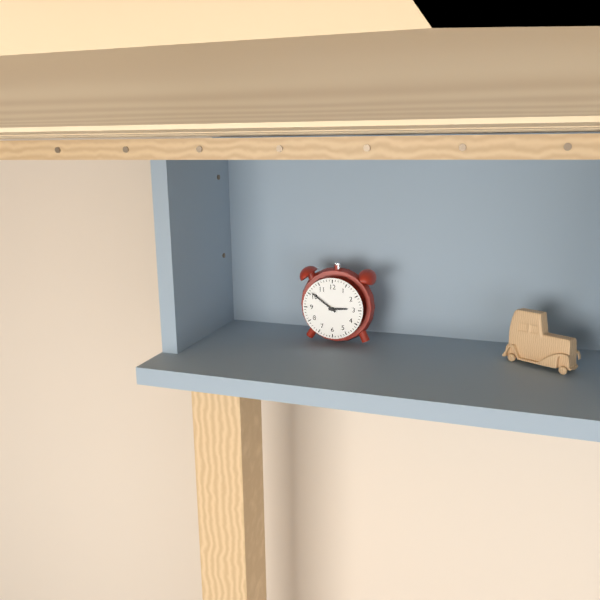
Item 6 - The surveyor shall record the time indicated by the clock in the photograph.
2:51
